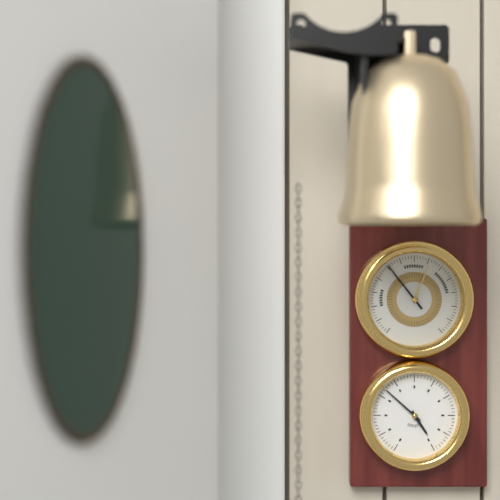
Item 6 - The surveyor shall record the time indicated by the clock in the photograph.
4:52
